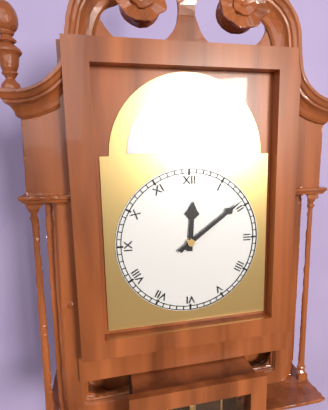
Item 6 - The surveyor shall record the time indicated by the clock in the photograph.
12:09
